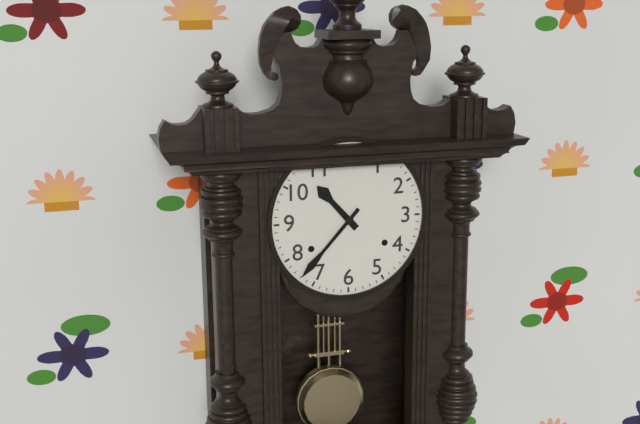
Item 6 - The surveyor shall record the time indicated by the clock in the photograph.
10:37
